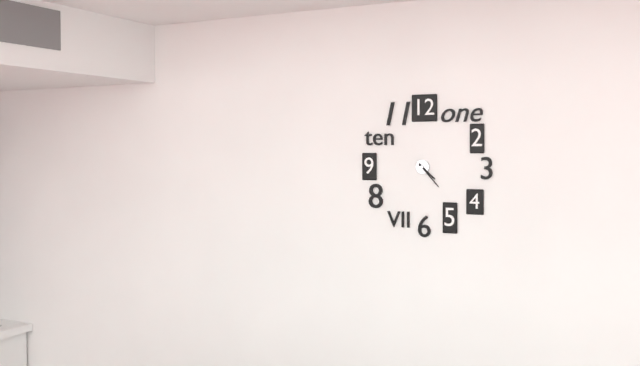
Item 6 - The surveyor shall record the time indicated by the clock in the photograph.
4:23
